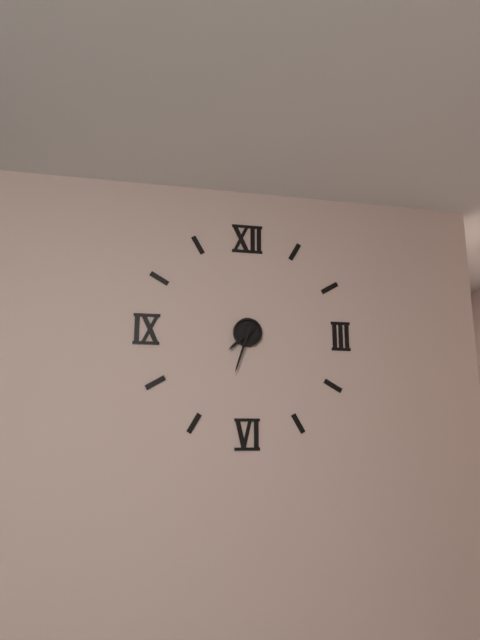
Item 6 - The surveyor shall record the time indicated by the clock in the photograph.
7:33
